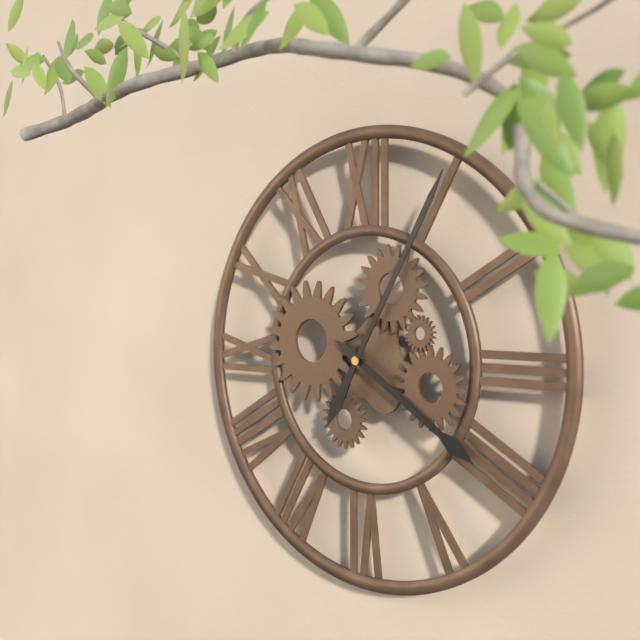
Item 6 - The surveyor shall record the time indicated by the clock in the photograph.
4:05
